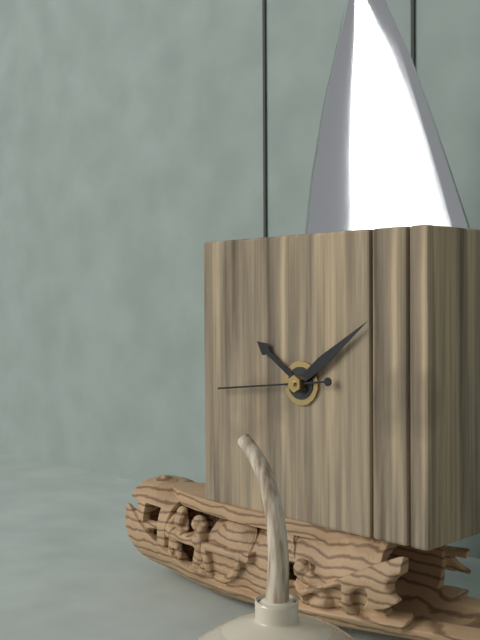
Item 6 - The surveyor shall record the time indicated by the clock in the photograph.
10:09:44
